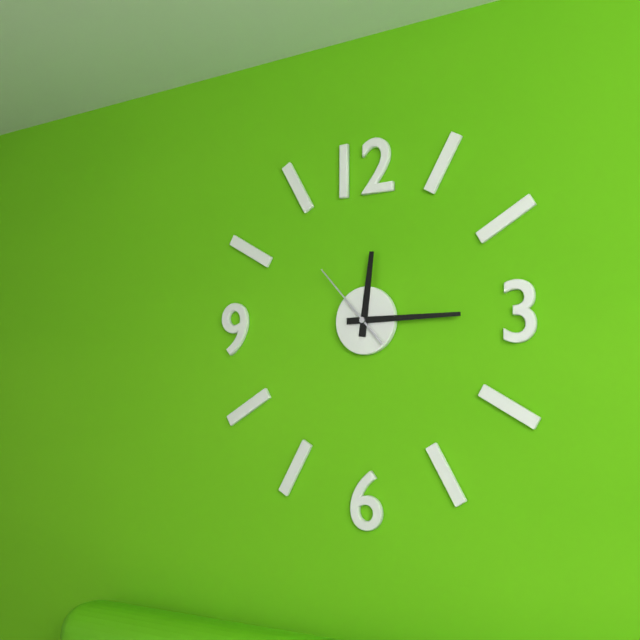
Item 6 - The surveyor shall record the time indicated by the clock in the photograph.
12:15:53
